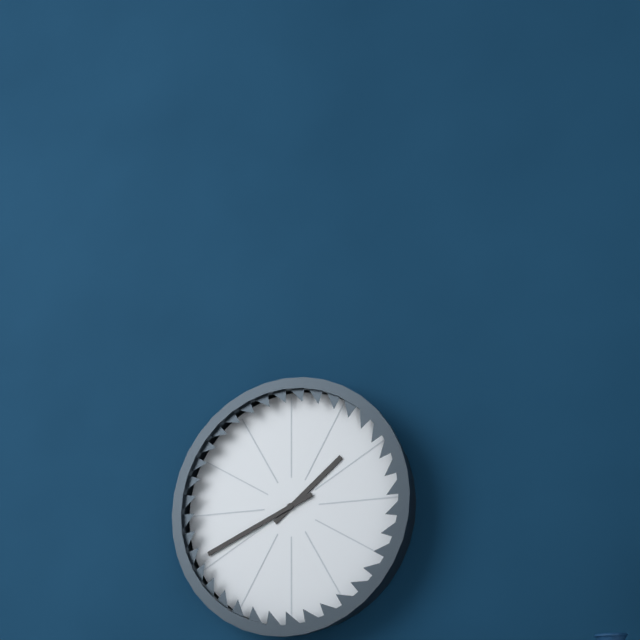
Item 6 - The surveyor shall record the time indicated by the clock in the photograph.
1:41
